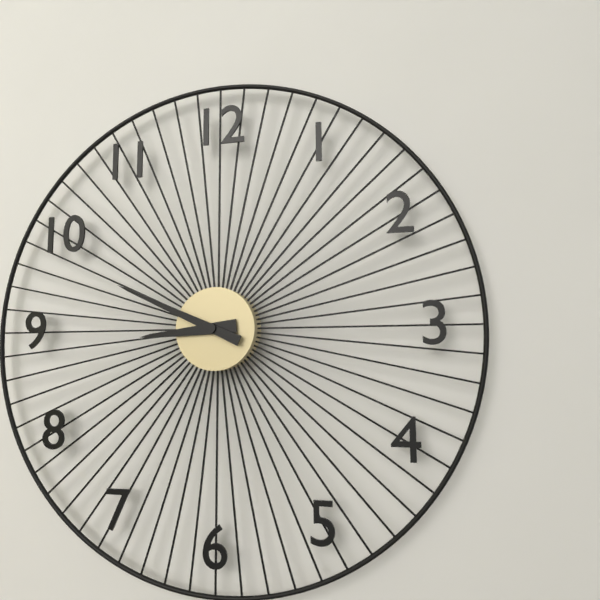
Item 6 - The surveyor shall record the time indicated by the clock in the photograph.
8:49
